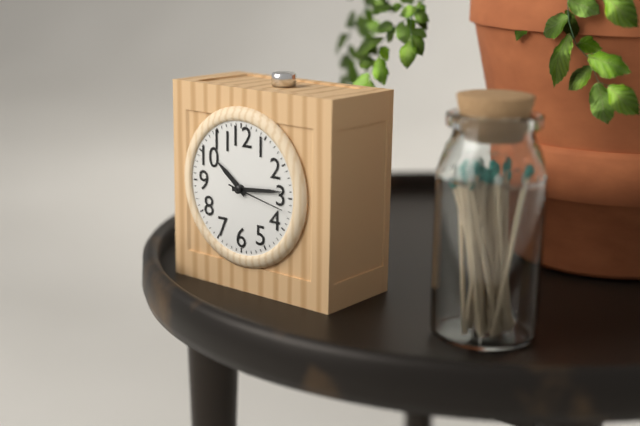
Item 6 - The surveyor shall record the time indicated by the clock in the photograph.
10:14:17
